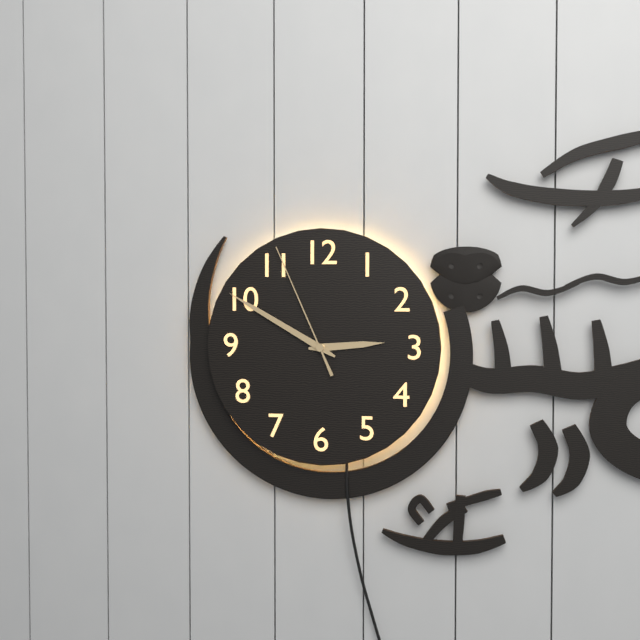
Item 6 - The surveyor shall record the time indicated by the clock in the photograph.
2:50:56
